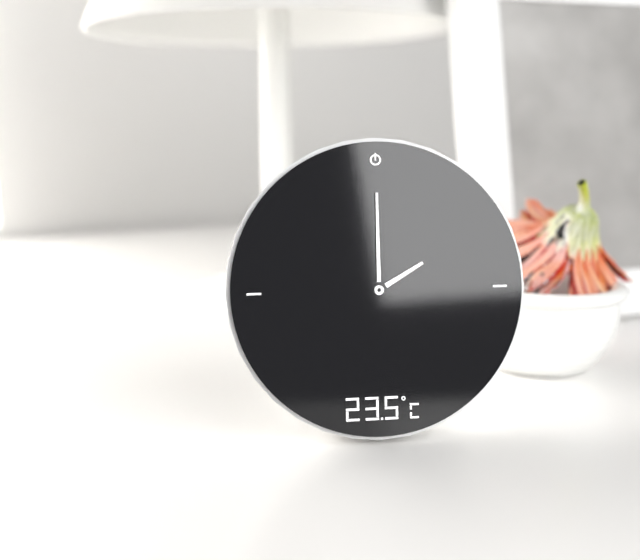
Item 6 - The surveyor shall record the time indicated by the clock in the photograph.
2:00
